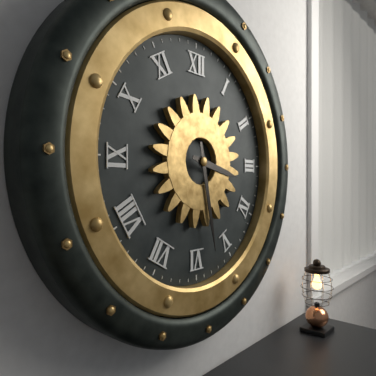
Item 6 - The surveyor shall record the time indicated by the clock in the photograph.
3:28
